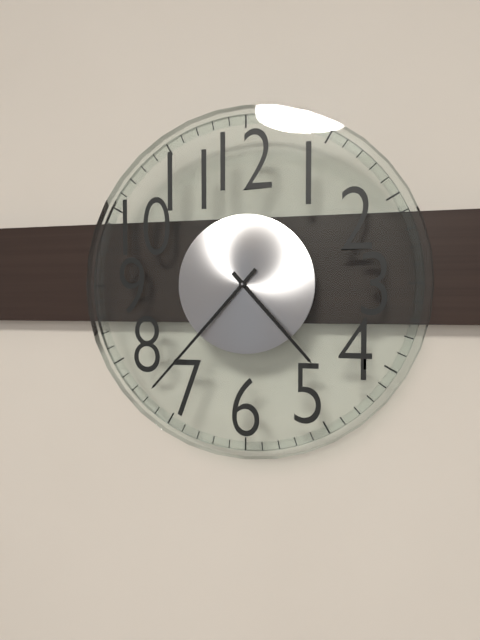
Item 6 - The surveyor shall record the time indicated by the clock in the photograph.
4:37
